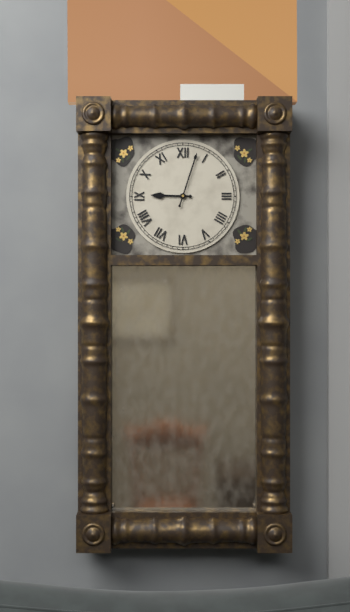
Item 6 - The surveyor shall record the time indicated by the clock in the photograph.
9:03
